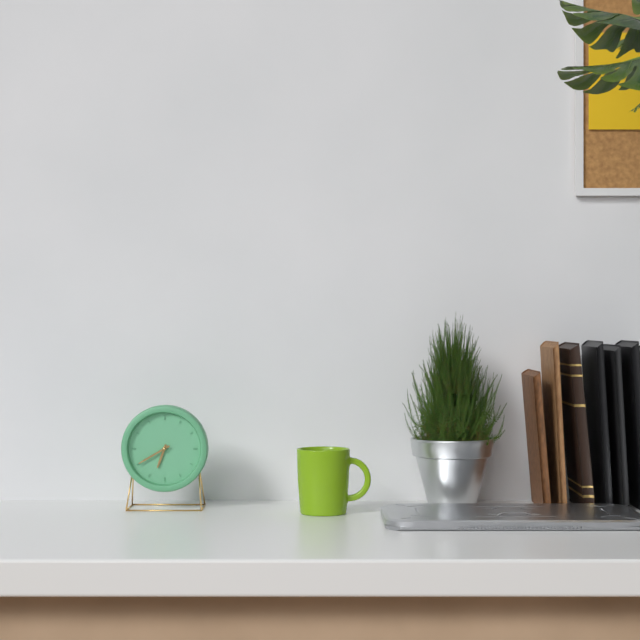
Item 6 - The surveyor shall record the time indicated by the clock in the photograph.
6:40
